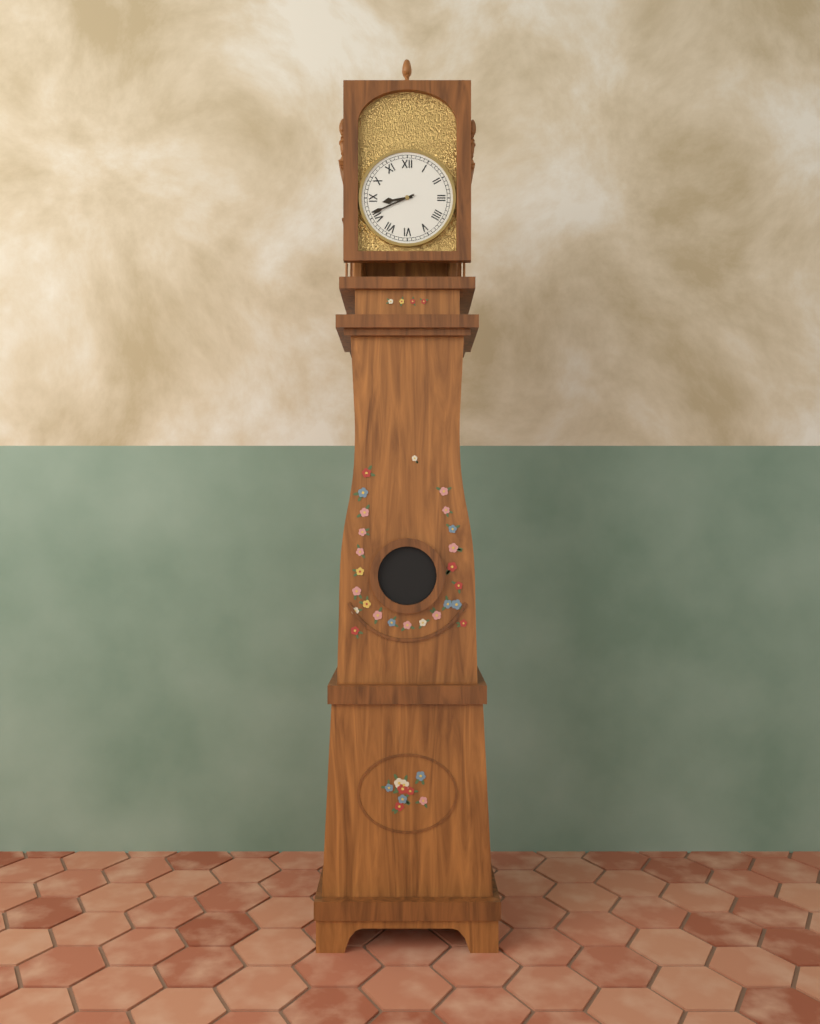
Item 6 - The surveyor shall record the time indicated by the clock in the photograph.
8:41
